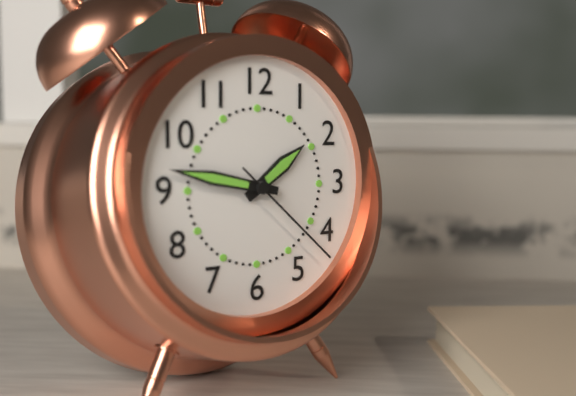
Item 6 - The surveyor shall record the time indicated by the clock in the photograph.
1:47:22
